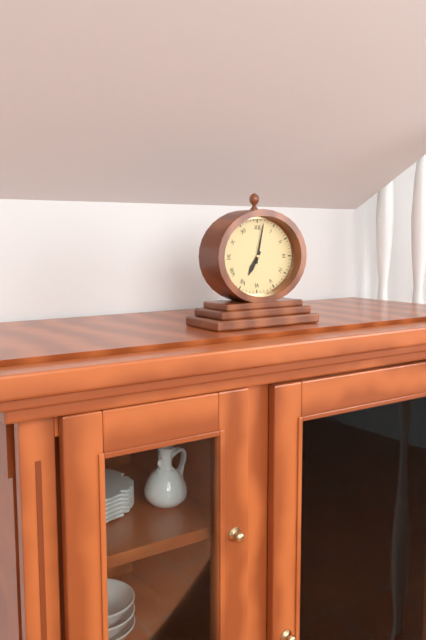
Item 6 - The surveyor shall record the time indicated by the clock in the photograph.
7:02
